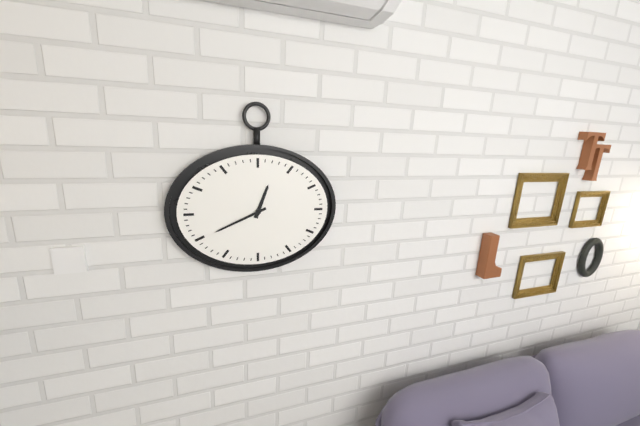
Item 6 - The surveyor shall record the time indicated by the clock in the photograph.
12:41
